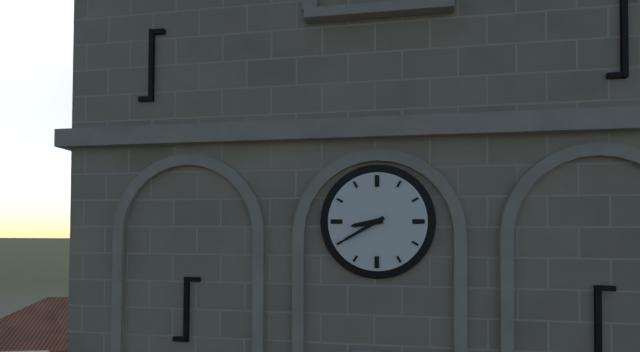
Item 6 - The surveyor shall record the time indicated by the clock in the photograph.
8:40
